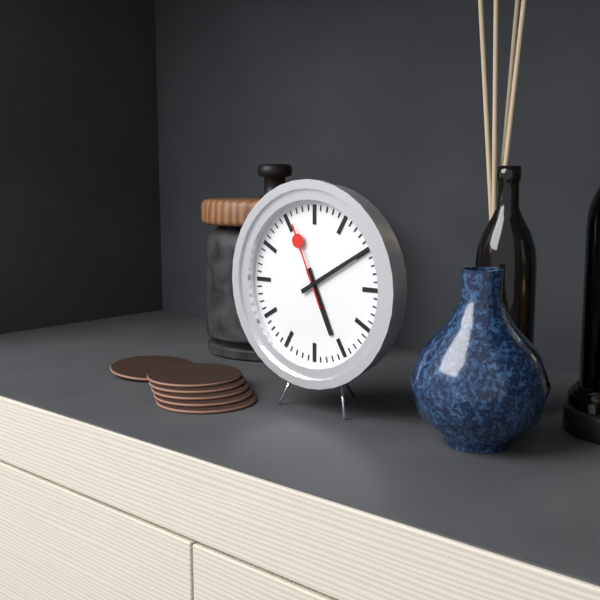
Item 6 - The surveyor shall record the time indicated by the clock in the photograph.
5:10:56
